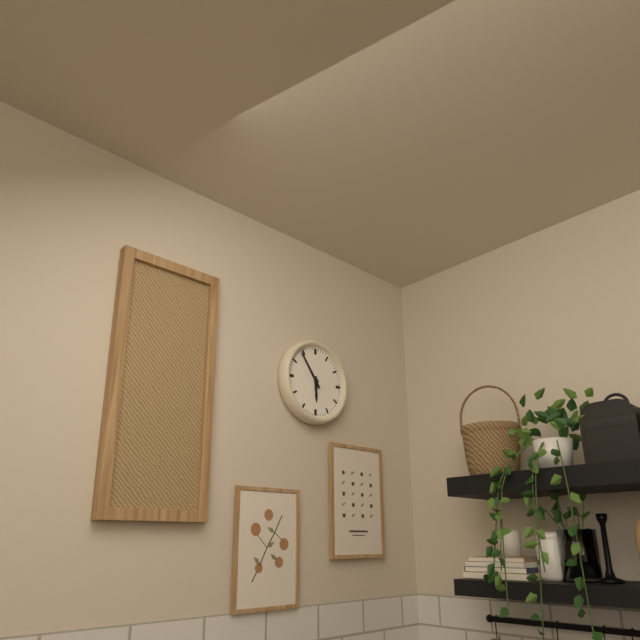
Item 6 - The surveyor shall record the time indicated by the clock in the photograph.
5:54
